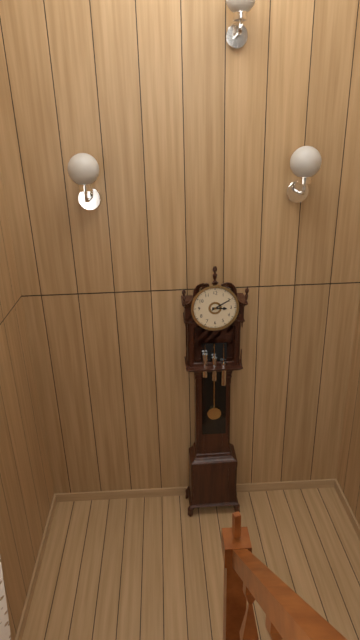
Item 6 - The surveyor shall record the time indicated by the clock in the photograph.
3:10
